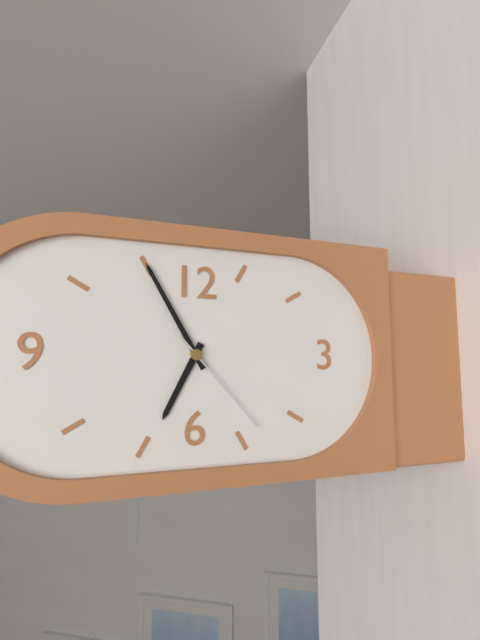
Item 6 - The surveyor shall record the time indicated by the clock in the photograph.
6:55:23
